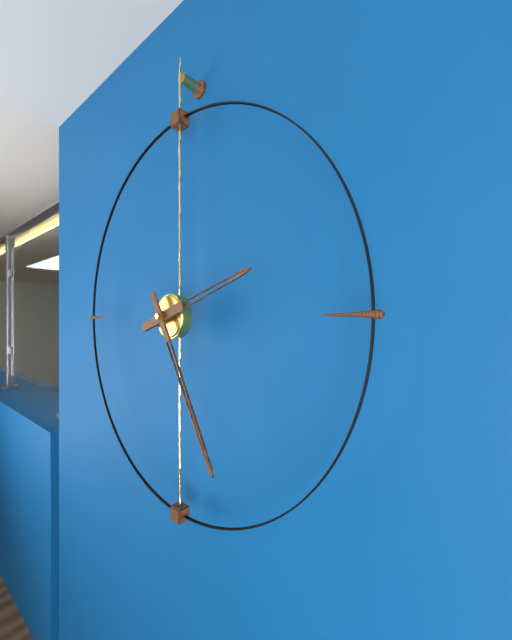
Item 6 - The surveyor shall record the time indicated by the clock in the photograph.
2:25
